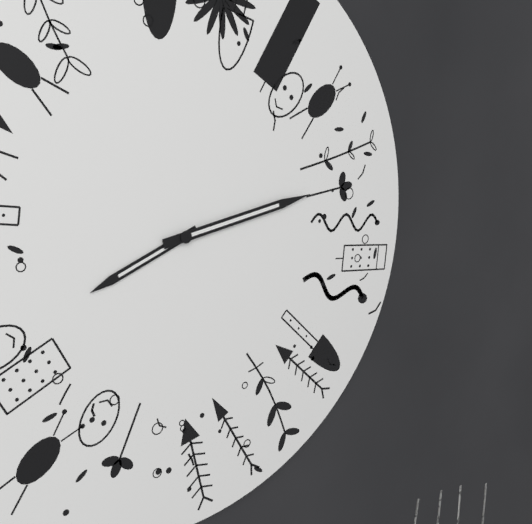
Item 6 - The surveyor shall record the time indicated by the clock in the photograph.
8:13
